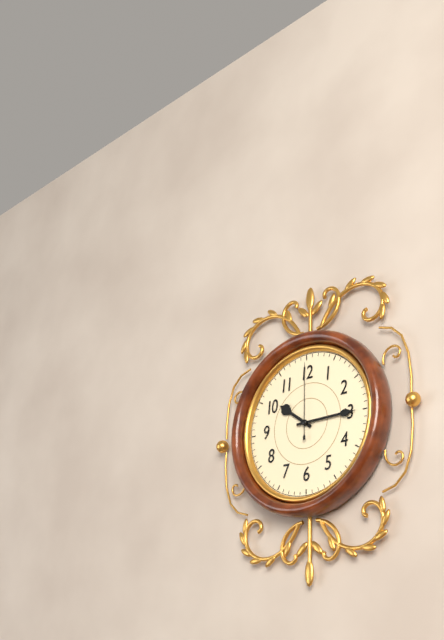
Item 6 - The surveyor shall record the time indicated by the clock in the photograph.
10:15:00
